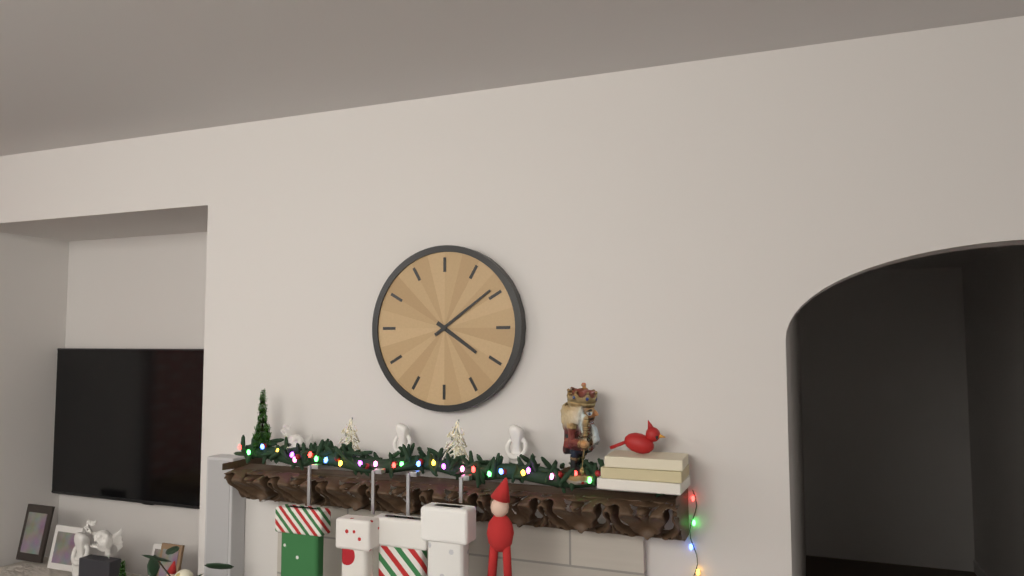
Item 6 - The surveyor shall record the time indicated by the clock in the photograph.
4:09
